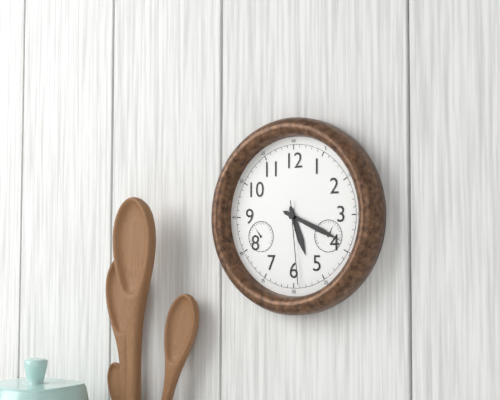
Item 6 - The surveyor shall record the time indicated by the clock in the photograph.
5:19:29
